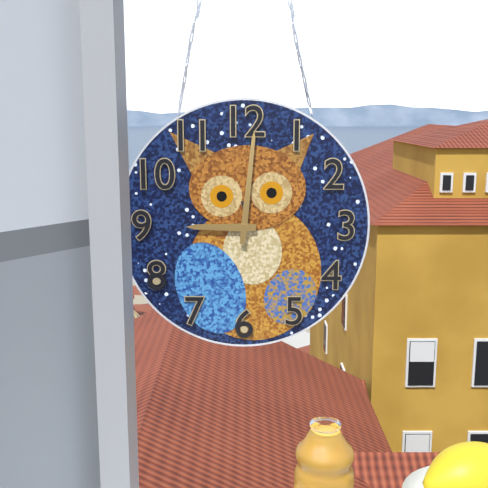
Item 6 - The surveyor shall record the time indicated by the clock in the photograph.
9:01
